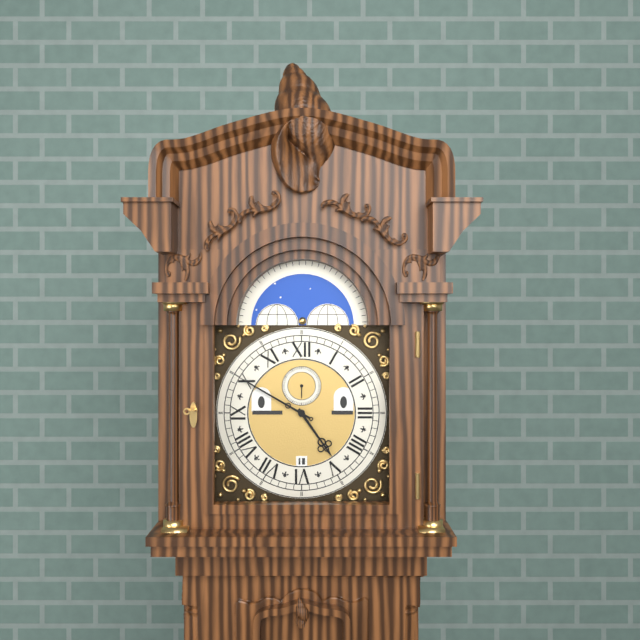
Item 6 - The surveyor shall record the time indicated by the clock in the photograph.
4:50
